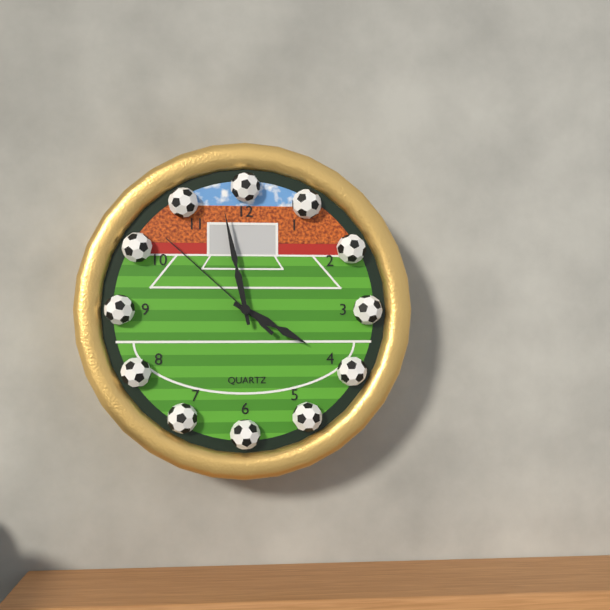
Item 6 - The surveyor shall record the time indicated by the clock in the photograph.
3:58:52
